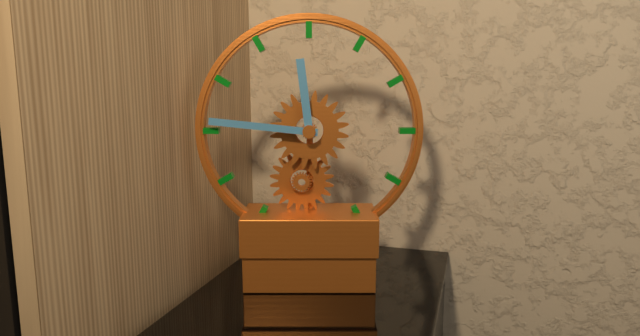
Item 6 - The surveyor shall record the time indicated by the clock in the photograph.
11:46
